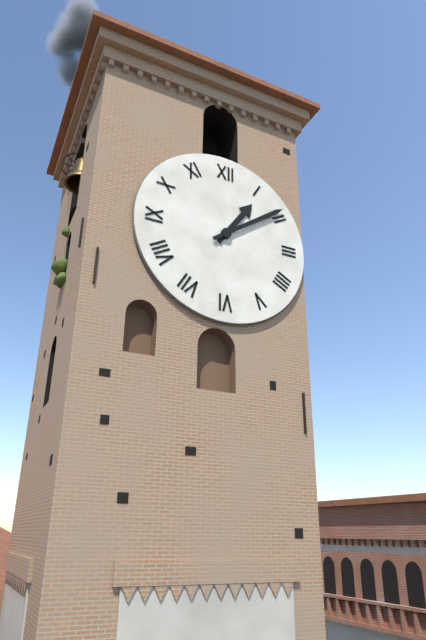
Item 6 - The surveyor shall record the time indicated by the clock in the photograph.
1:09
